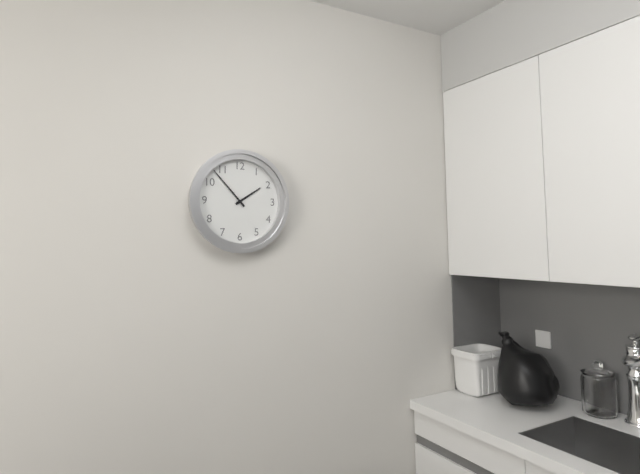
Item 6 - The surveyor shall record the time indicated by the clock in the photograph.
1:53
